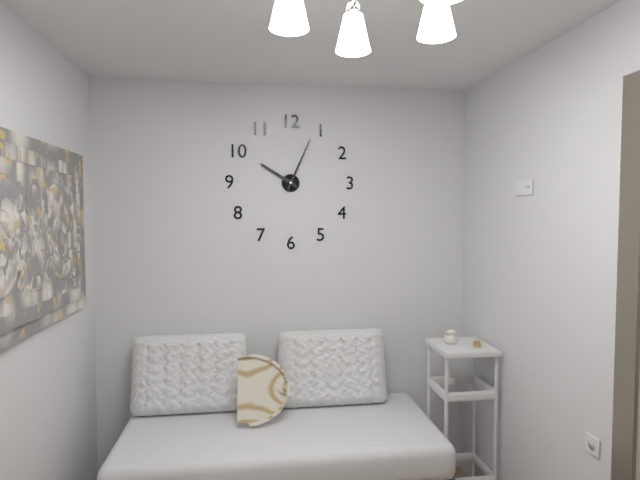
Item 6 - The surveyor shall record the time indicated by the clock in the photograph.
10:04
